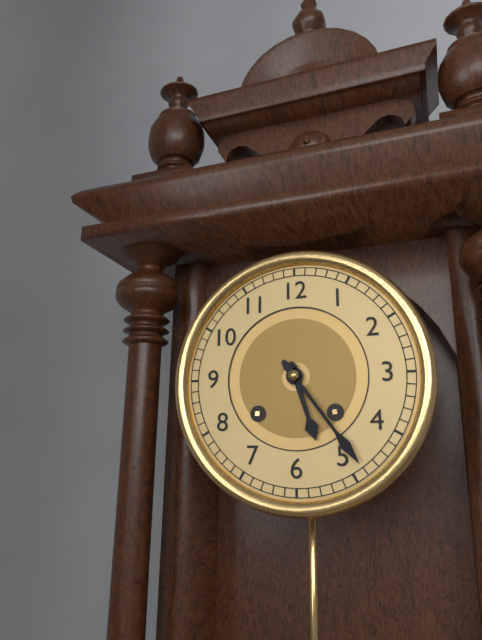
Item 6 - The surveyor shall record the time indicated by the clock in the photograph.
5:24
